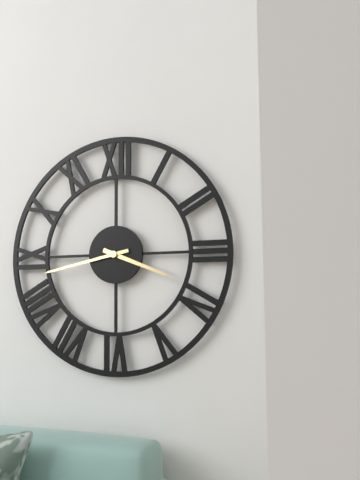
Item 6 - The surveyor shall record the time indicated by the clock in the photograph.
3:43
